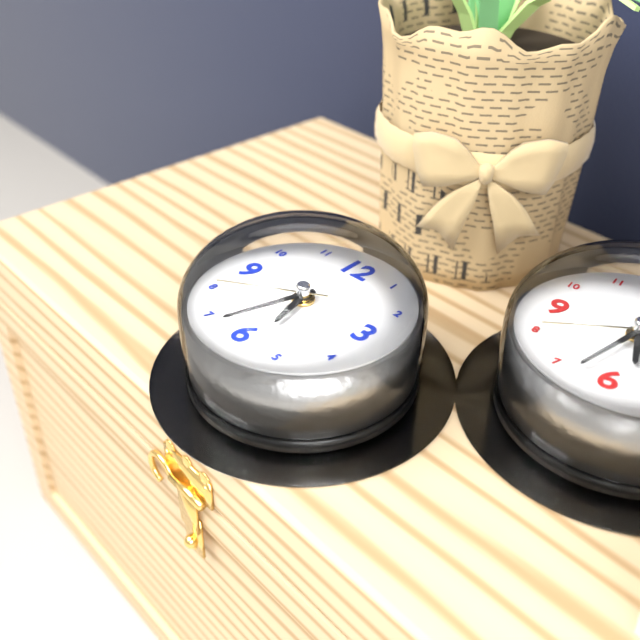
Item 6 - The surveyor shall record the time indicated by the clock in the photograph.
5:33:40
